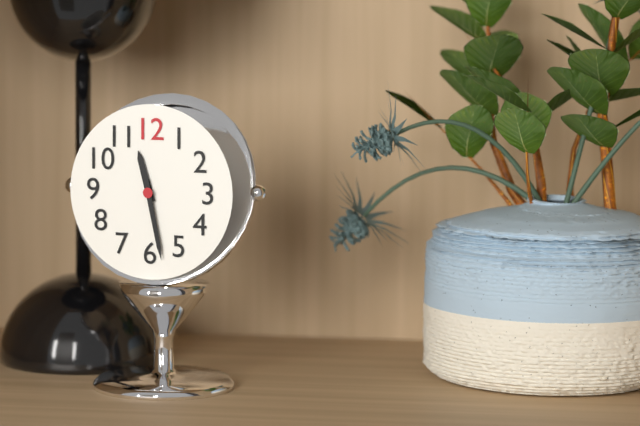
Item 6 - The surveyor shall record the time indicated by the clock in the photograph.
11:28
